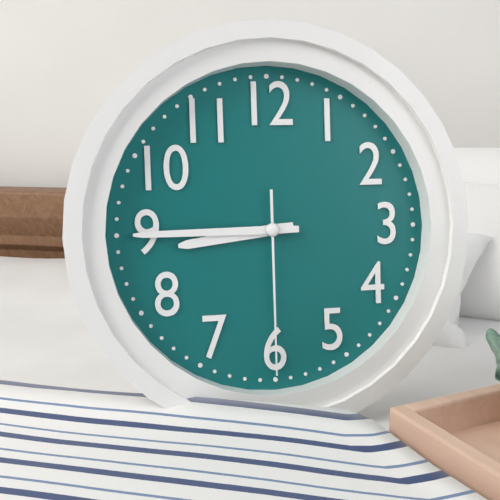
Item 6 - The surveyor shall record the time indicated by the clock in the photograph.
8:45:30
